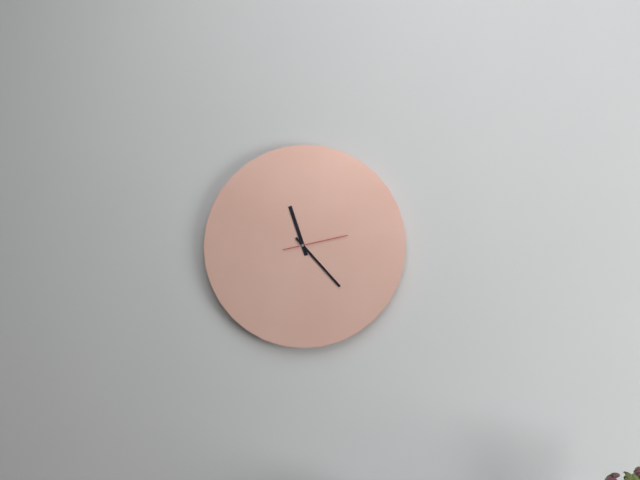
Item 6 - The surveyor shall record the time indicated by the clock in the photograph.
11:23:13
